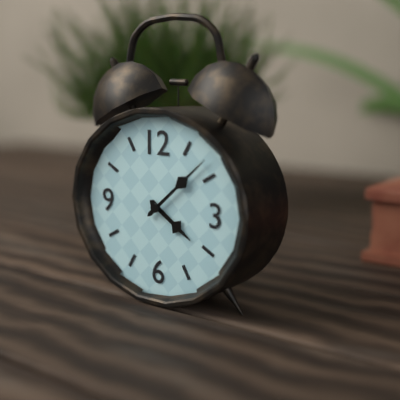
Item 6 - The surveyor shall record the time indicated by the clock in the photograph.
4:08
